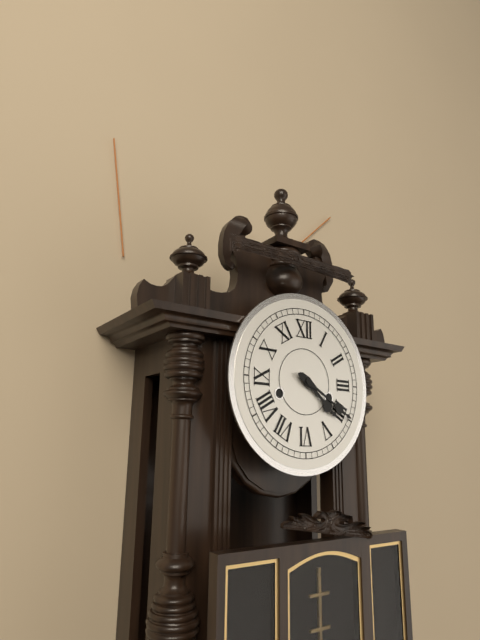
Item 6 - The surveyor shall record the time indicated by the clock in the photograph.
4:20
